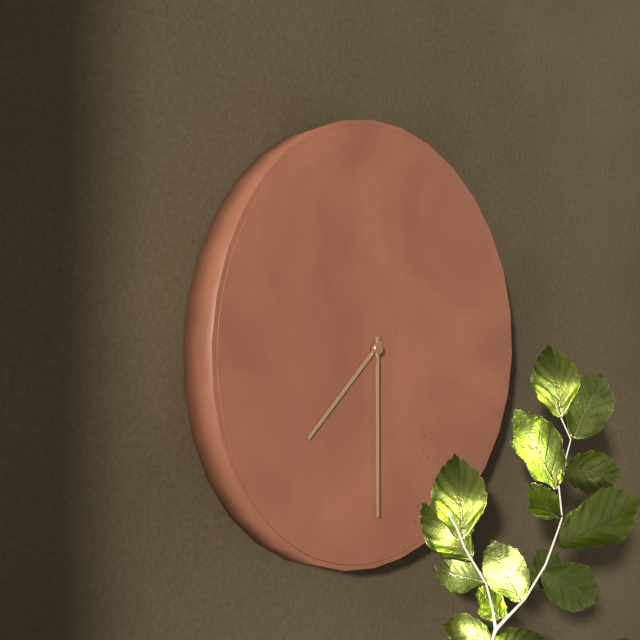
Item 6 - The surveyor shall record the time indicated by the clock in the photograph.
7:30
